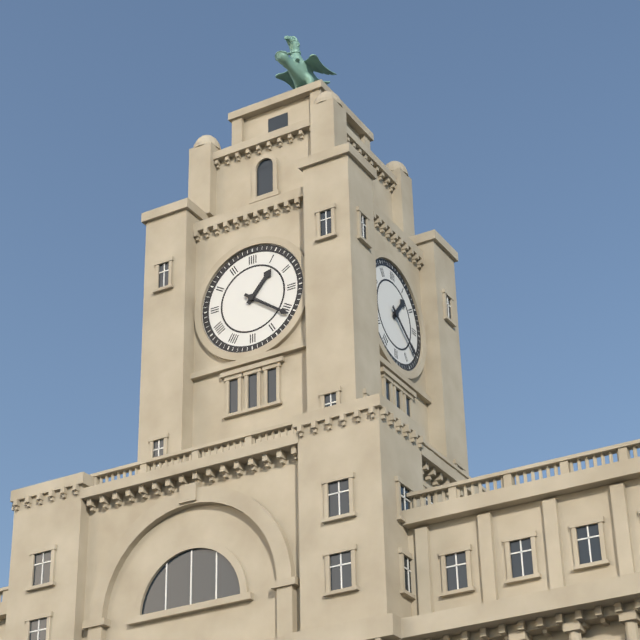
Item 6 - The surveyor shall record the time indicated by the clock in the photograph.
1:21
